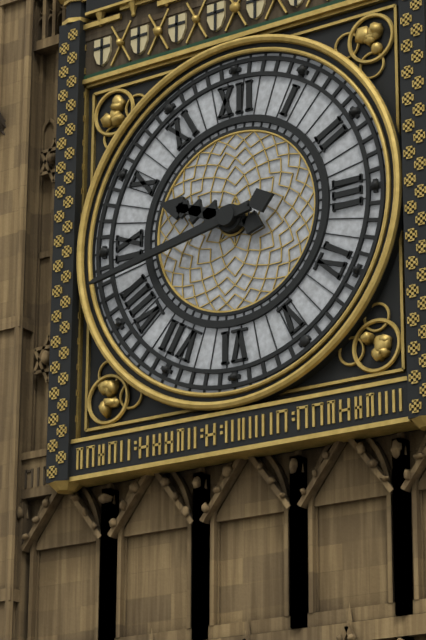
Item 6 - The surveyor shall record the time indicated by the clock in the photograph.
9:43
